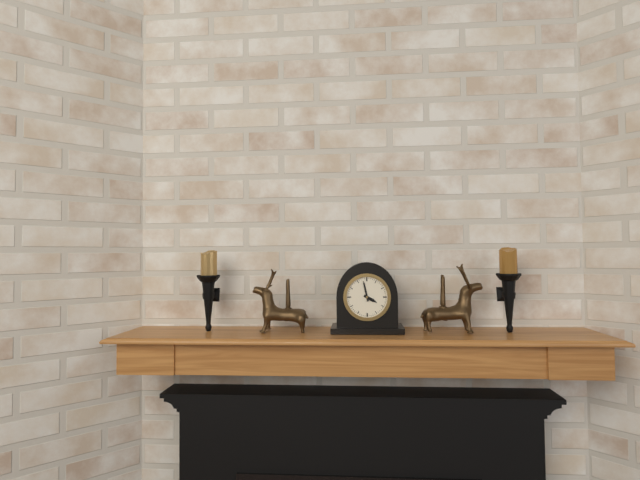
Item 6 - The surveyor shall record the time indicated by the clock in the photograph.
3:58
